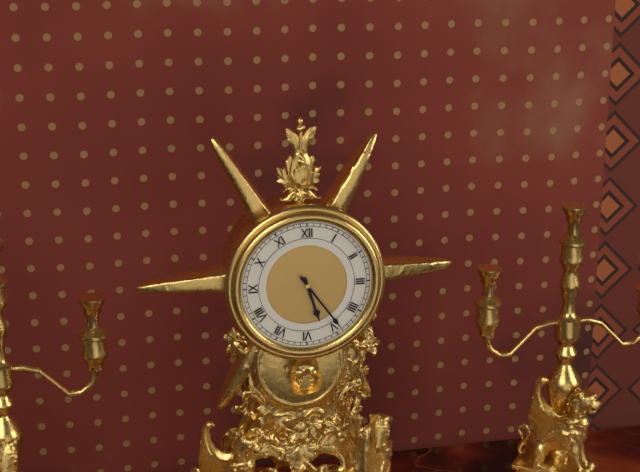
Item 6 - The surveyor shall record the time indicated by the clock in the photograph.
5:24
